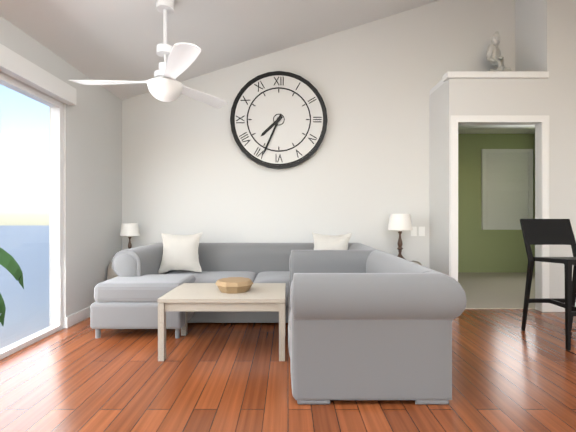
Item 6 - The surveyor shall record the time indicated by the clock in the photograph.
7:34
